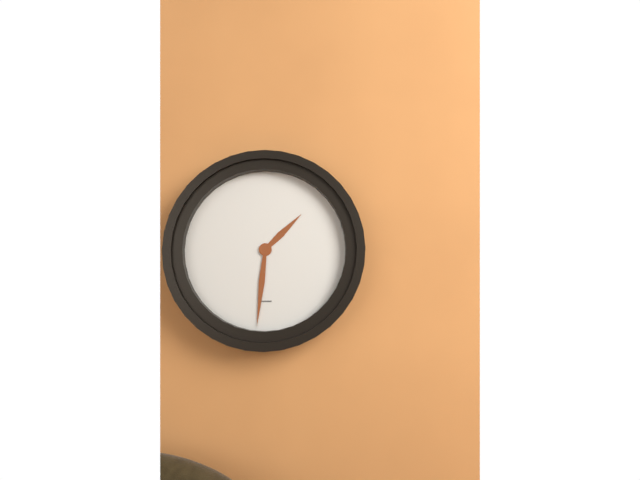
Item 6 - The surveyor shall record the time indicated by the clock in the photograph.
1:31
